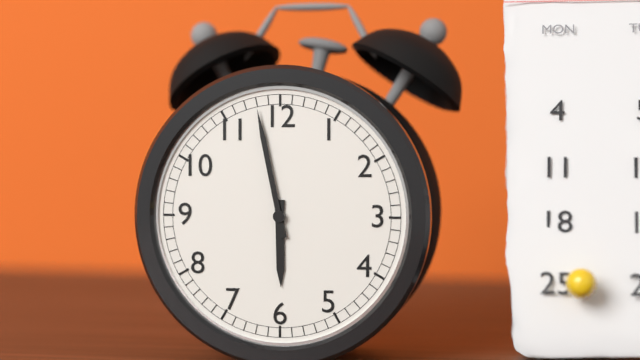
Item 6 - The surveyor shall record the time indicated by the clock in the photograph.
5:58
